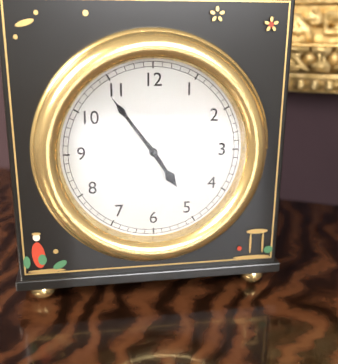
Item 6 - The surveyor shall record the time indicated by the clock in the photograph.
4:54
